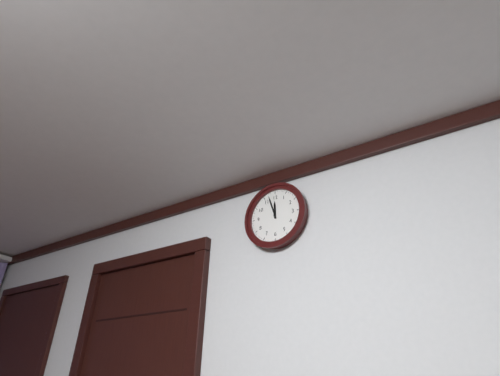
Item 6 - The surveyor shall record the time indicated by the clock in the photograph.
11:57
